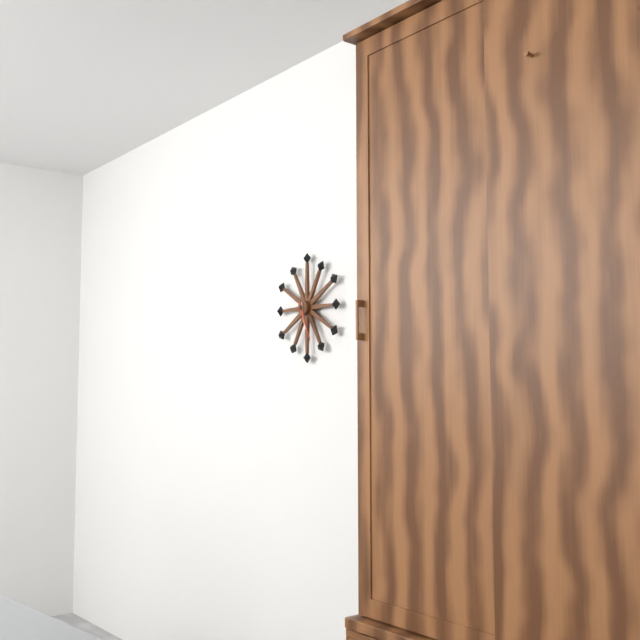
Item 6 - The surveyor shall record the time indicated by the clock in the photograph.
5:26
